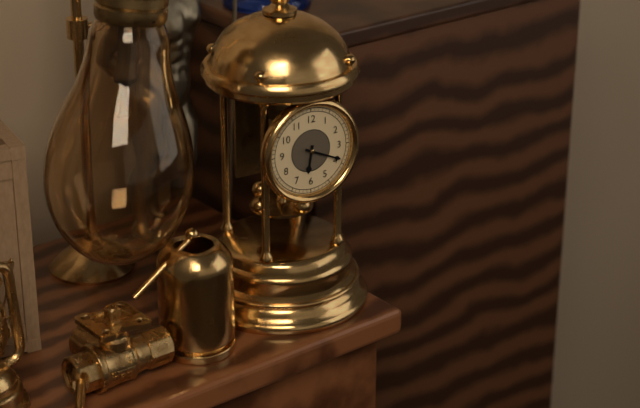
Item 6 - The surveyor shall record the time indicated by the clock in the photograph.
6:19
